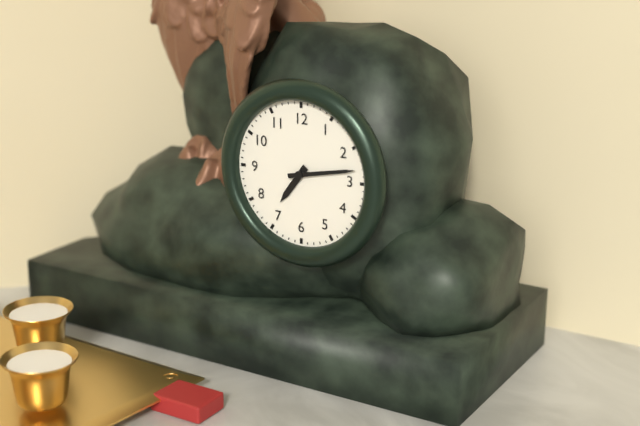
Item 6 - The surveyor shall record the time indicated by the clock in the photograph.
7:13
